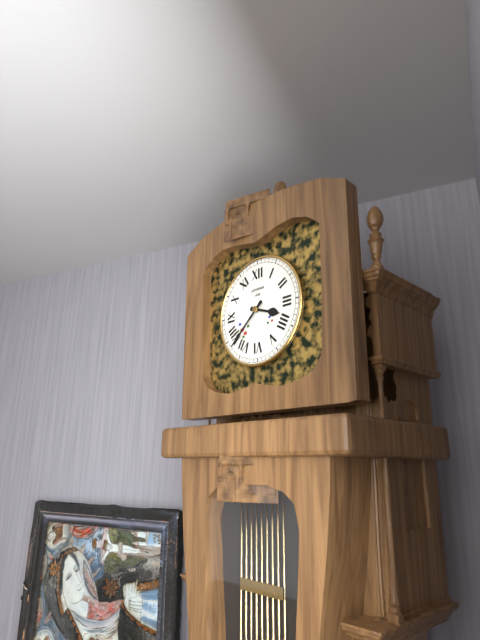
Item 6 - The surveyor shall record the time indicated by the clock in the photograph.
3:38
